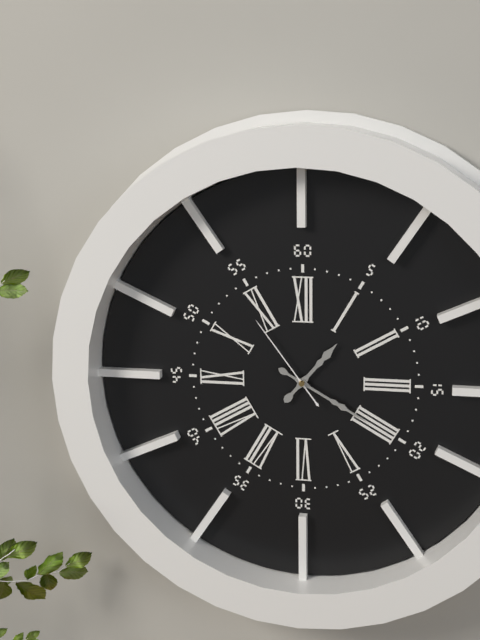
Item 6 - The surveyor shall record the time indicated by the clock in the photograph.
1:20:54
